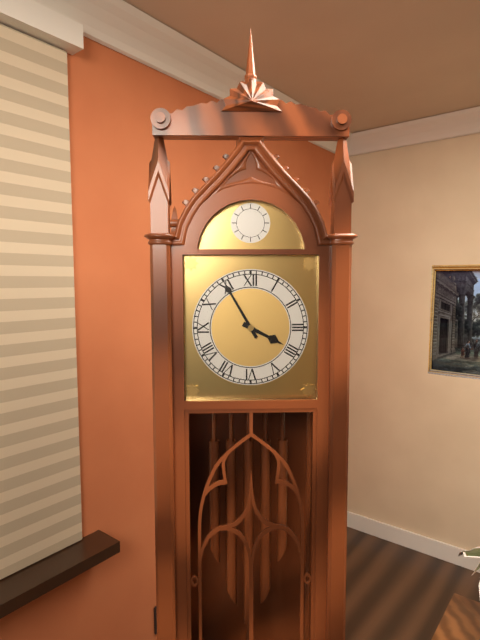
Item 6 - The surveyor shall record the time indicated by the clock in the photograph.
3:55
